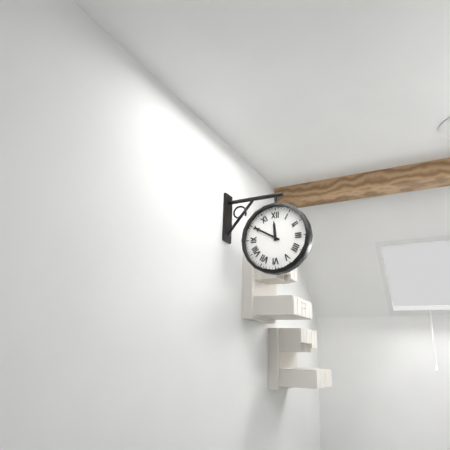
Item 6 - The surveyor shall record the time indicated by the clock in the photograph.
11:50
